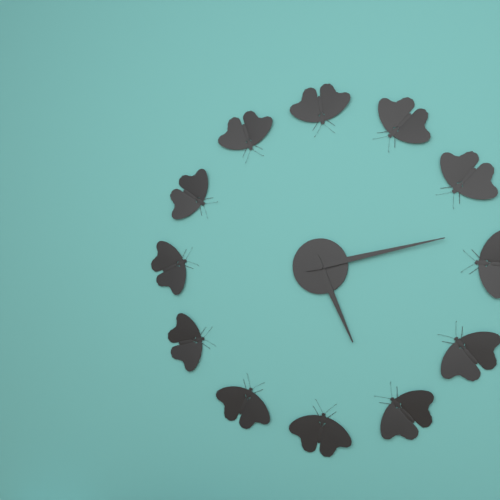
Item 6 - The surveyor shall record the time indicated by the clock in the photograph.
5:13
